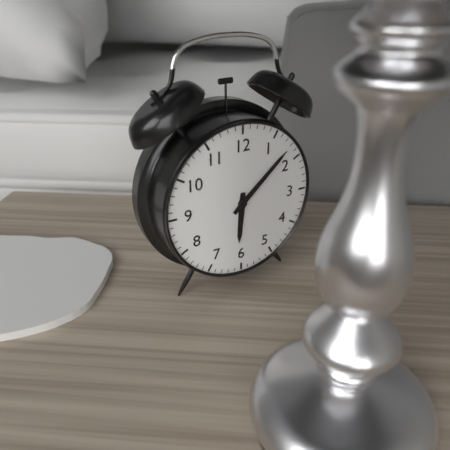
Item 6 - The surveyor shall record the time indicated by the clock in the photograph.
6:08
